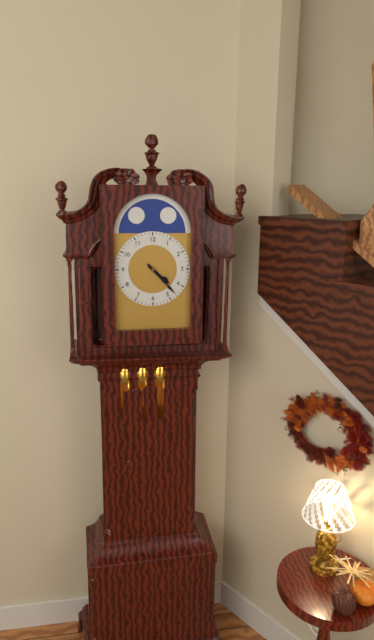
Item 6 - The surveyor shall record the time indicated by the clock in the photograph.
4:23
